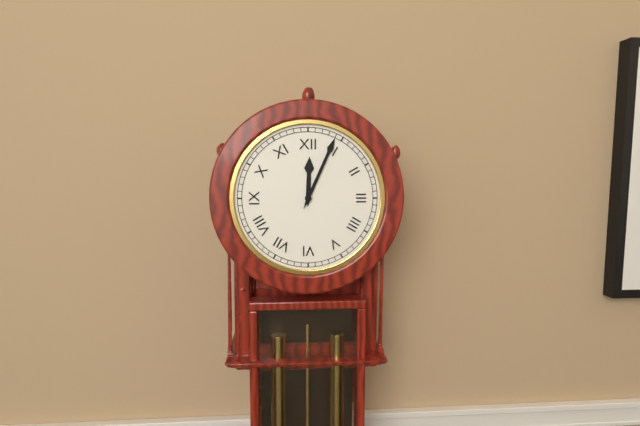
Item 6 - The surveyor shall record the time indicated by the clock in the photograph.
12:04
